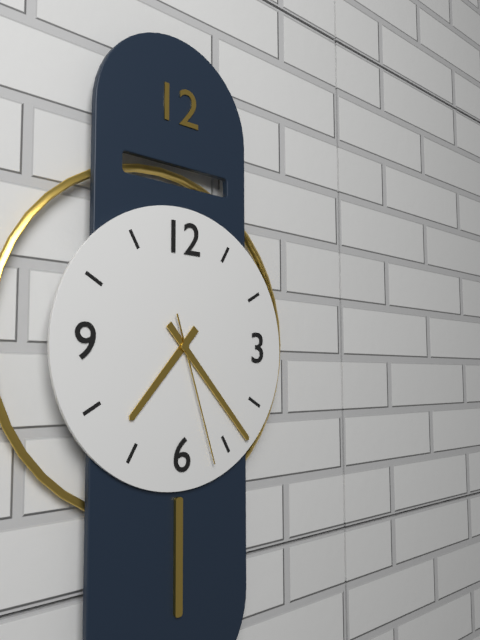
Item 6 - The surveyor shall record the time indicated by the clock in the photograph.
7:23:27
